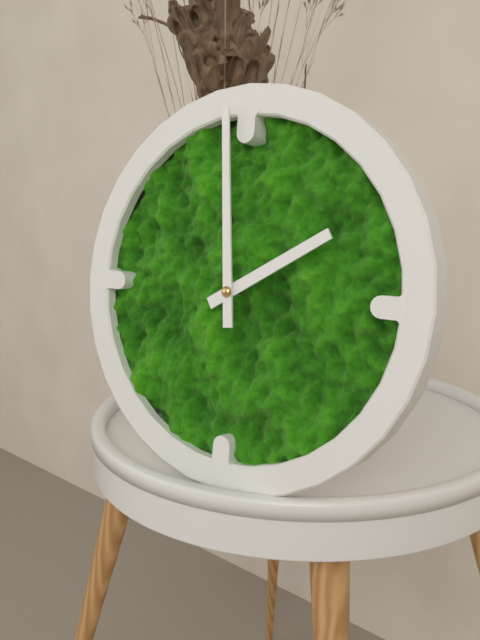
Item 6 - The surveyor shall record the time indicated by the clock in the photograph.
1:59
